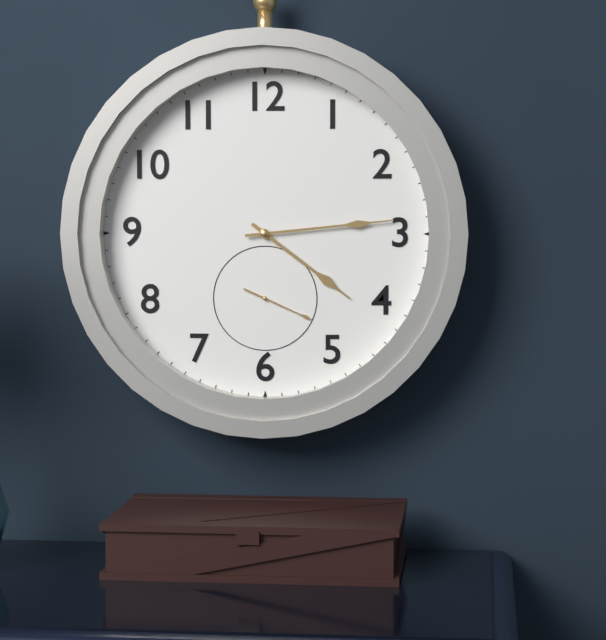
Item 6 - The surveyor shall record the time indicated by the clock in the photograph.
4:14:19
